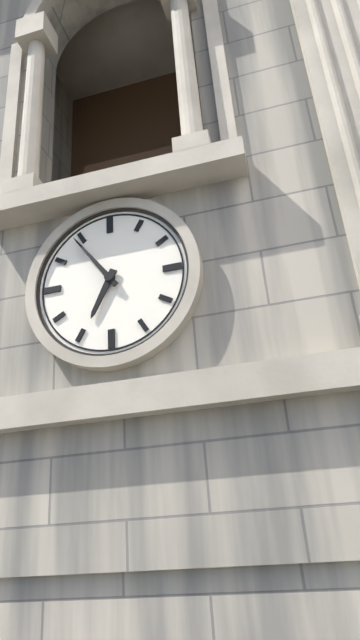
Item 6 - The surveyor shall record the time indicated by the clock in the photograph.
6:54
